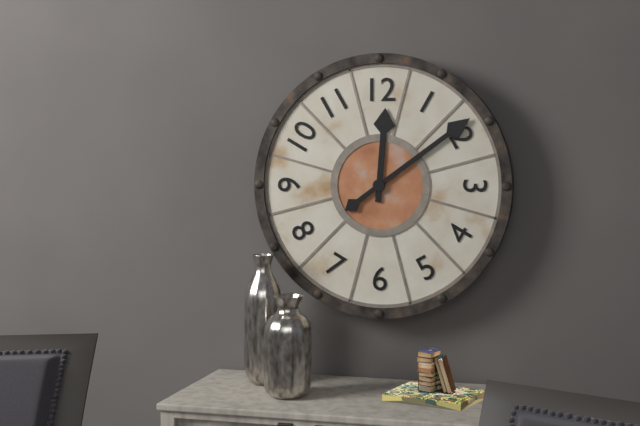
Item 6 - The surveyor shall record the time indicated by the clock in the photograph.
12:09
